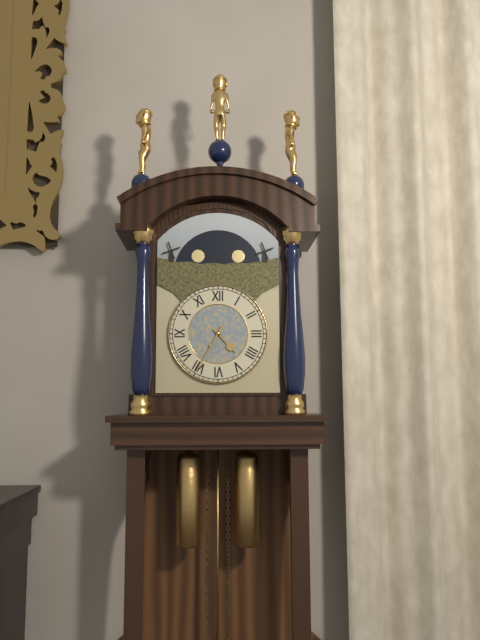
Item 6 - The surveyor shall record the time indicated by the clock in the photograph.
4:35
